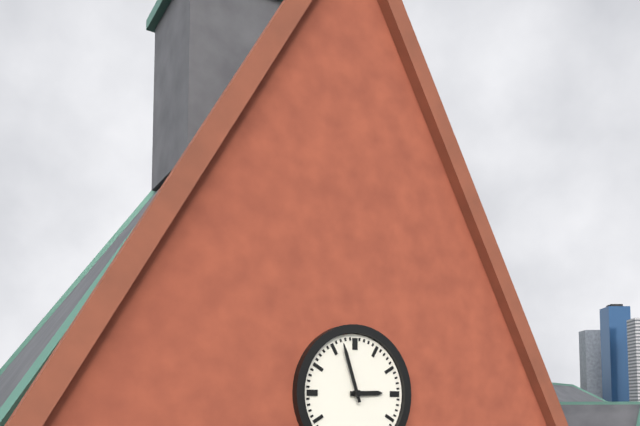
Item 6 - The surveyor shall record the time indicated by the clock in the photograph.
2:57
